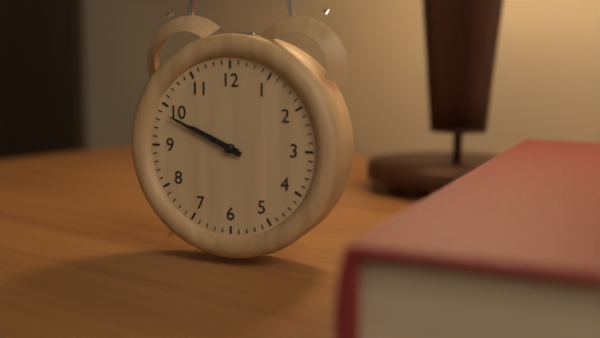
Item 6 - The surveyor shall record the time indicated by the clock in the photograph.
9:49
